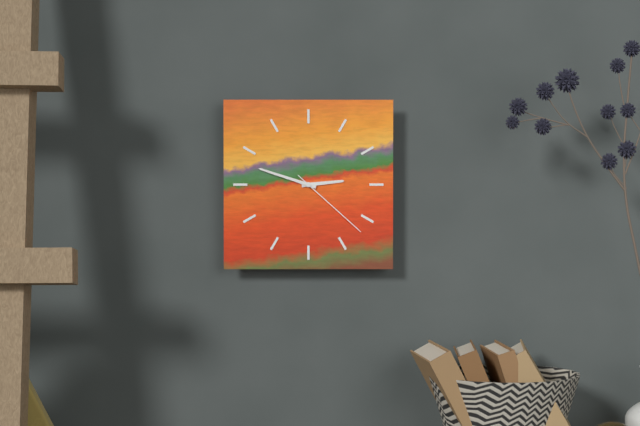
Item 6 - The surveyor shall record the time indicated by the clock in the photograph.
2:48:22
